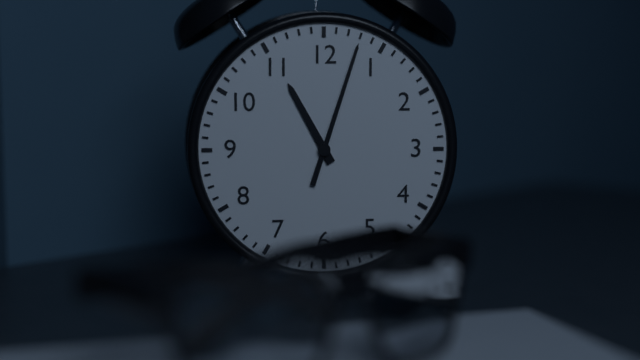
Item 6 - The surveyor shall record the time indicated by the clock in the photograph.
11:03
